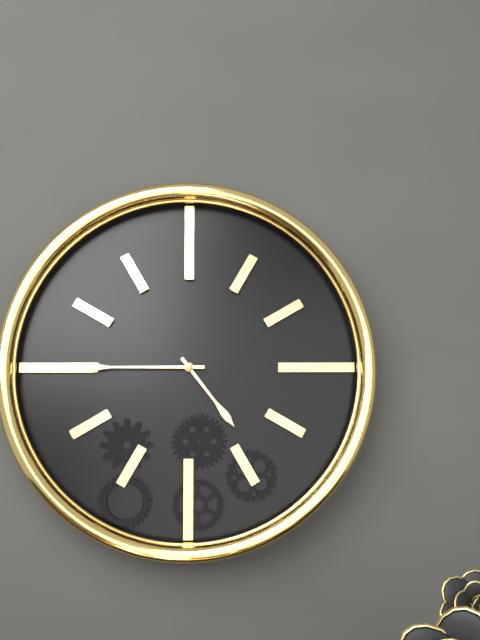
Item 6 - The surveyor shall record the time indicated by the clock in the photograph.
4:45
